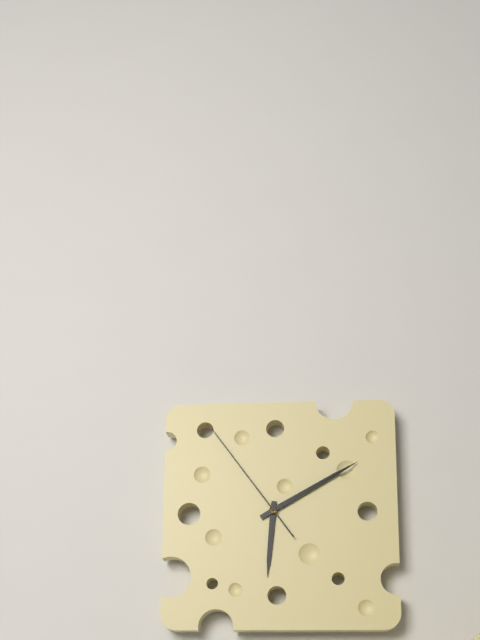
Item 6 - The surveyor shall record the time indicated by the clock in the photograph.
6:10:54
